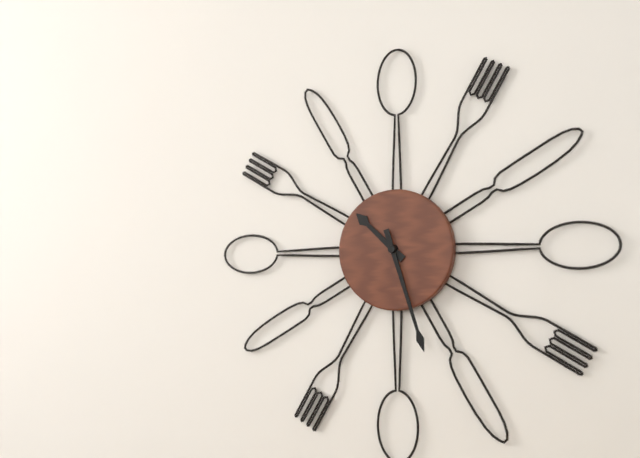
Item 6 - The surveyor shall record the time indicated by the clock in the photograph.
10:27
